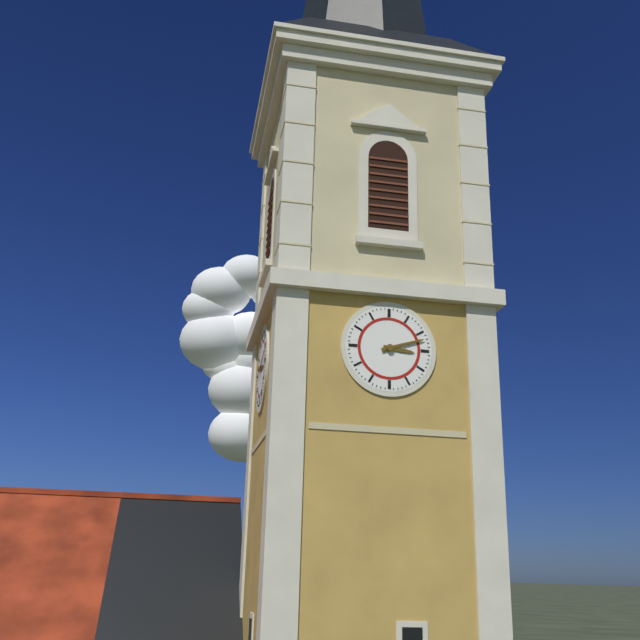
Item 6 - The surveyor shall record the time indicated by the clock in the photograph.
3:12
